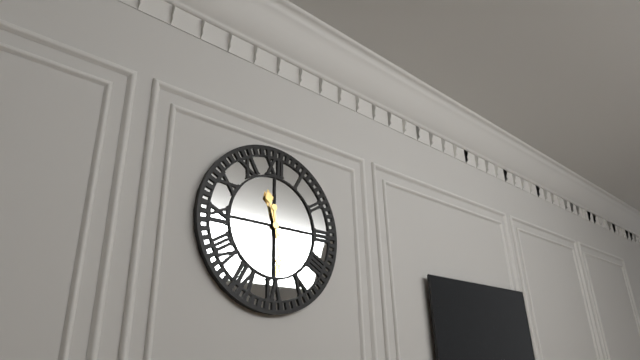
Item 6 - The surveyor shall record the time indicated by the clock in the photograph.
11:29
